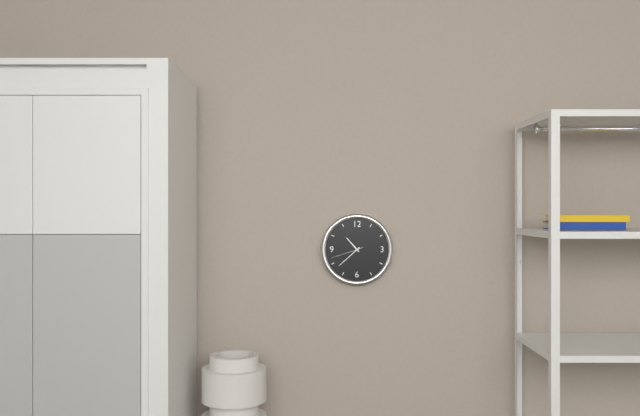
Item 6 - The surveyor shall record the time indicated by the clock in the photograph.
10:38
